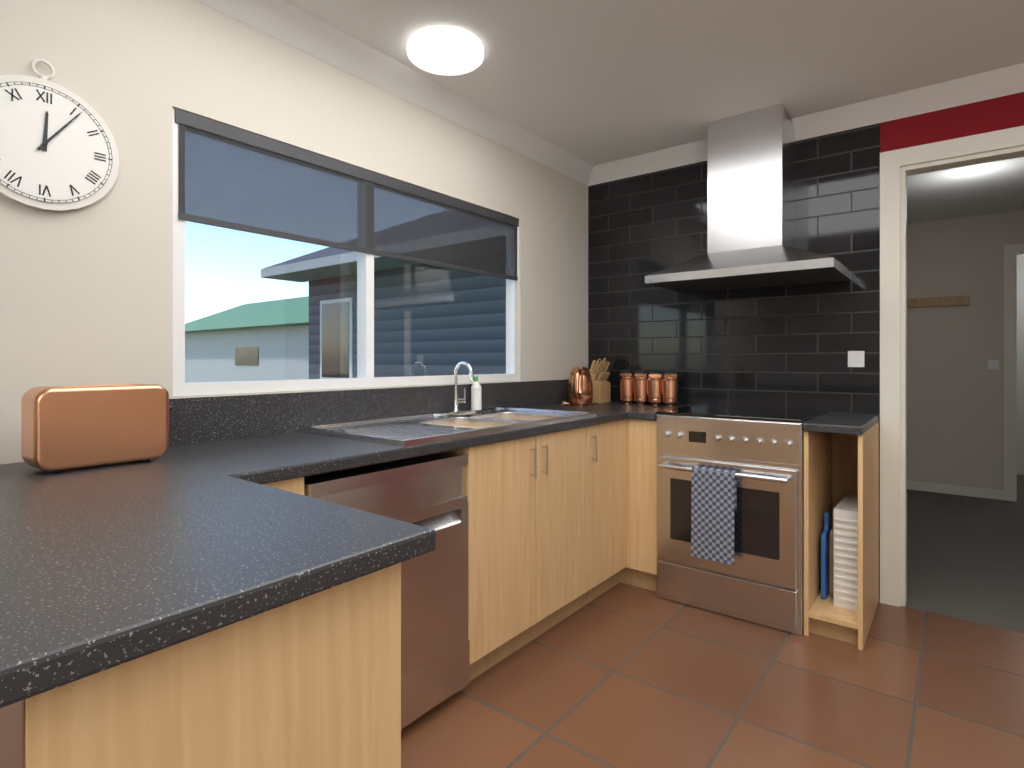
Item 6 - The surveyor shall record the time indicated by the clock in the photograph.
12:06
